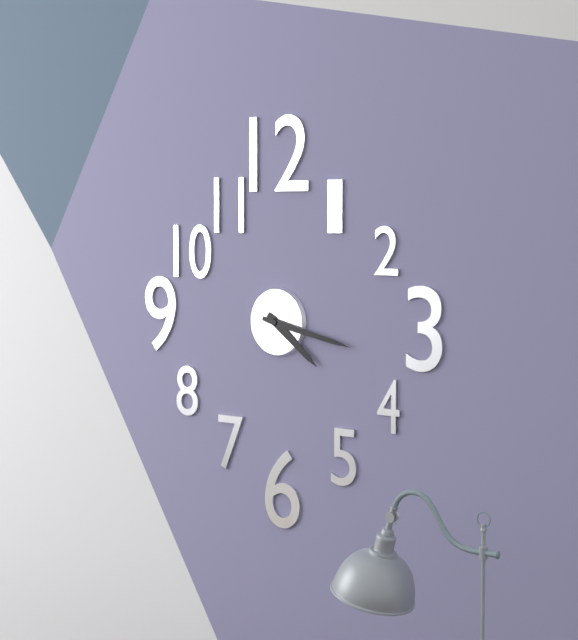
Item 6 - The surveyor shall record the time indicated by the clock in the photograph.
4:17
